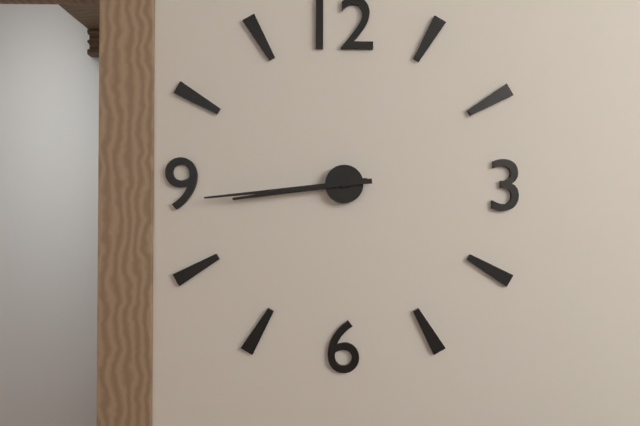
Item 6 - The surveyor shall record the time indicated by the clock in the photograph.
8:44
